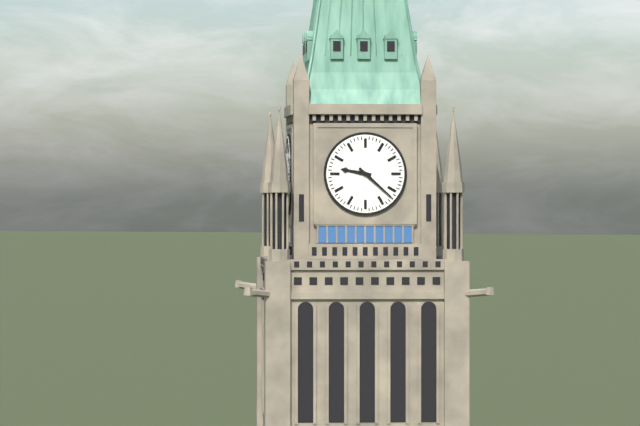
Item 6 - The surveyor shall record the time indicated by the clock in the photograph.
9:22
